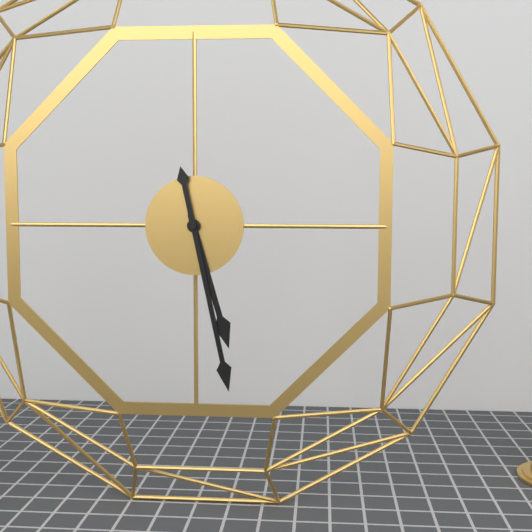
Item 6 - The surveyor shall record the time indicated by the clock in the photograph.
5:28
